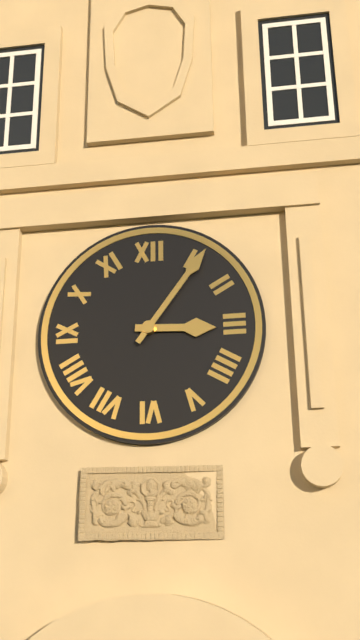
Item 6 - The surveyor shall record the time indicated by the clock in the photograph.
3:06
